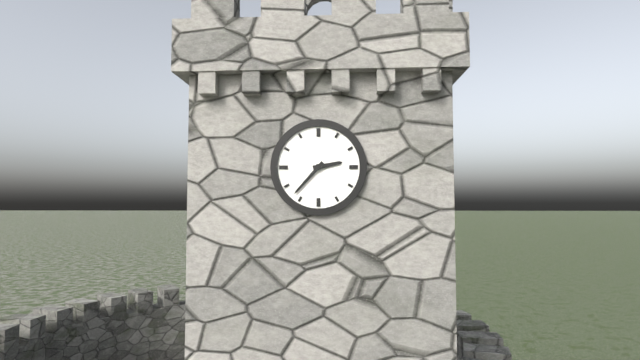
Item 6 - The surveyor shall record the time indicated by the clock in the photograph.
2:37
